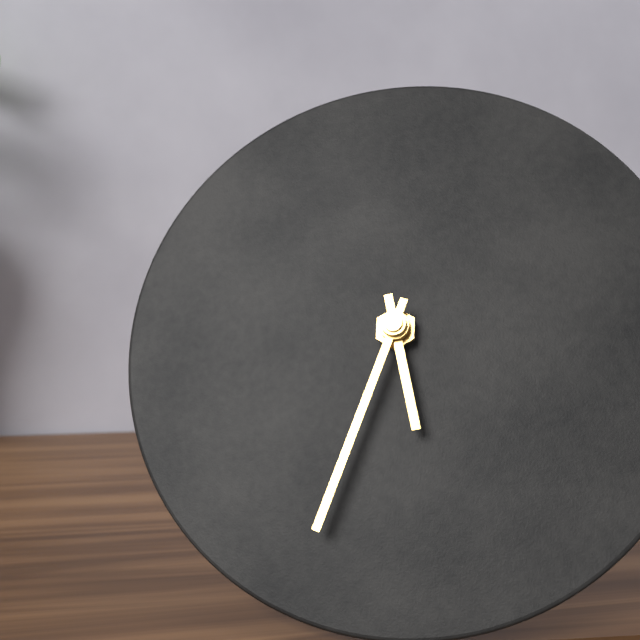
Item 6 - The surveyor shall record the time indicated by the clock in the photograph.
5:33
